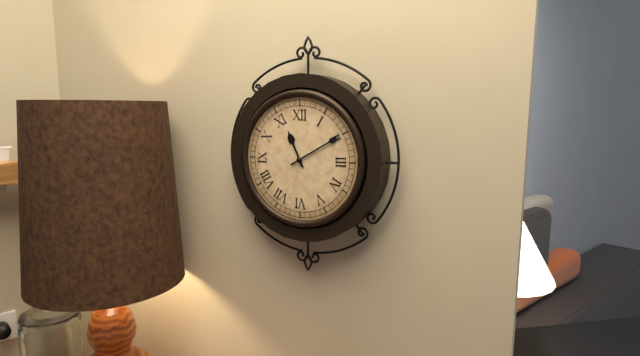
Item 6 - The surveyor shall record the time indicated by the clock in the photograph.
11:10
